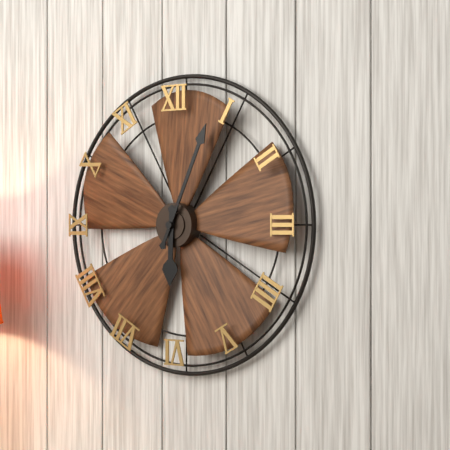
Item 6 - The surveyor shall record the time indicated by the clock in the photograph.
6:04
